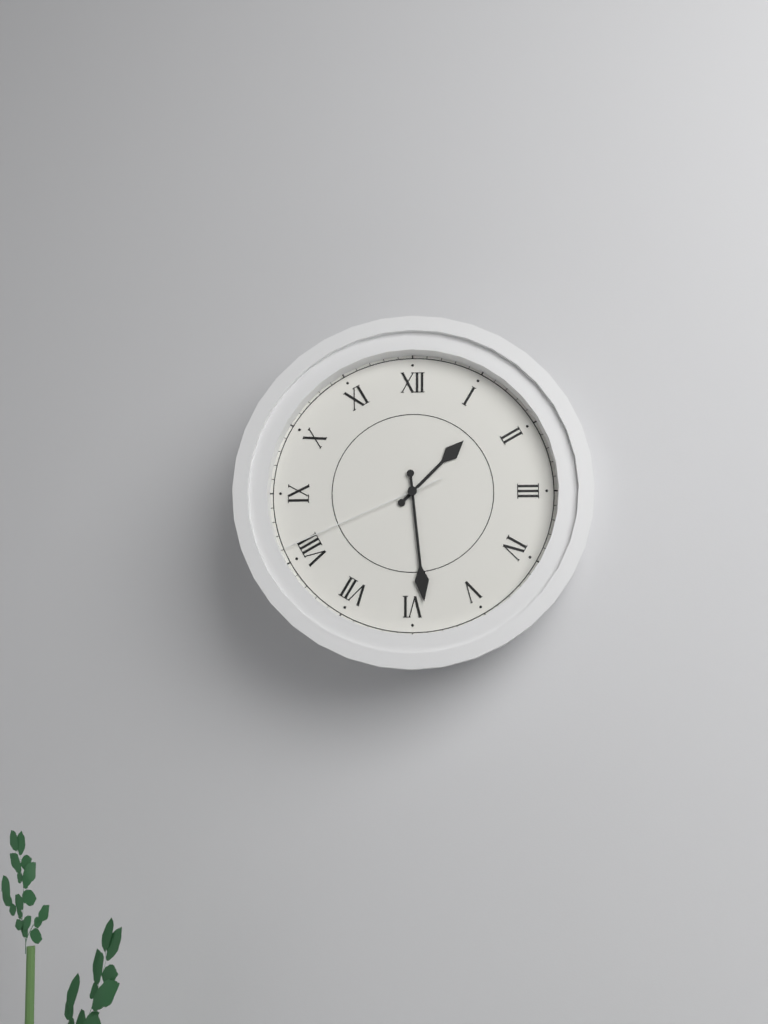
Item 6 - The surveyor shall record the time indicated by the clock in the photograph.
1:29:41
